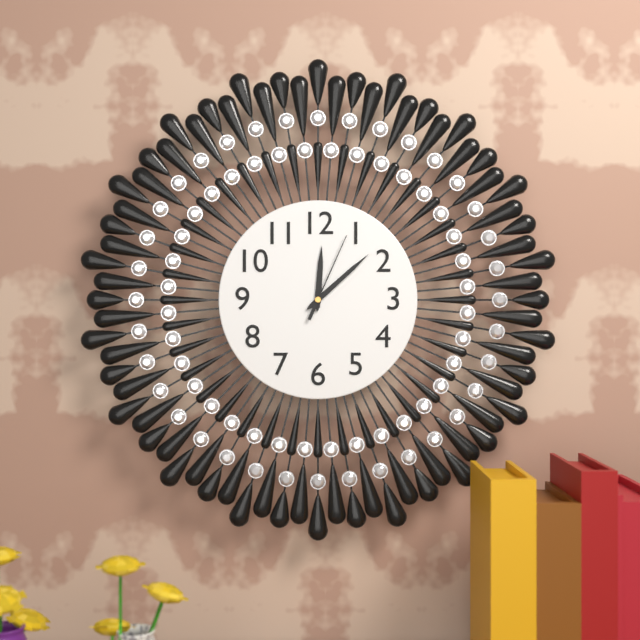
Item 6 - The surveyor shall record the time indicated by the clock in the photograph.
12:08:04
